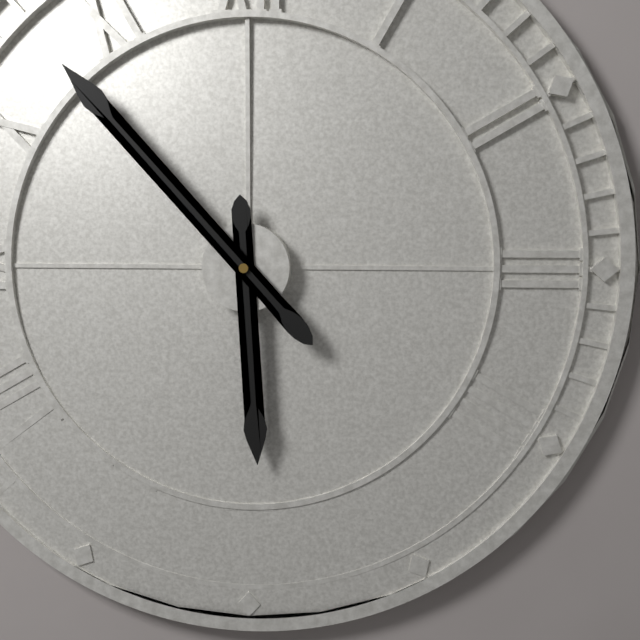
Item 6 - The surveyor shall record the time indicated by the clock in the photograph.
5:53
